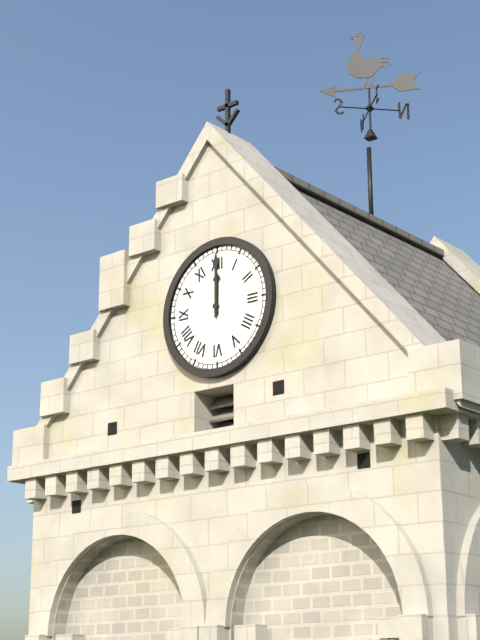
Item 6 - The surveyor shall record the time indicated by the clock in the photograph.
12:00
